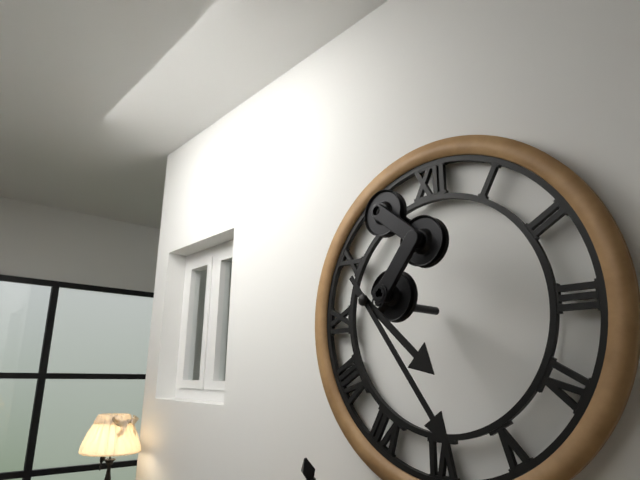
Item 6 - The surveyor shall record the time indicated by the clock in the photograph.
4:24
